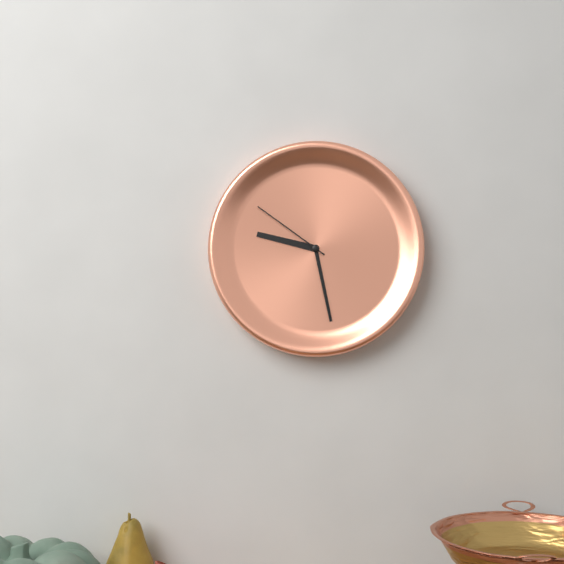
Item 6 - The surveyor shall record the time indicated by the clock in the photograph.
9:28:51
